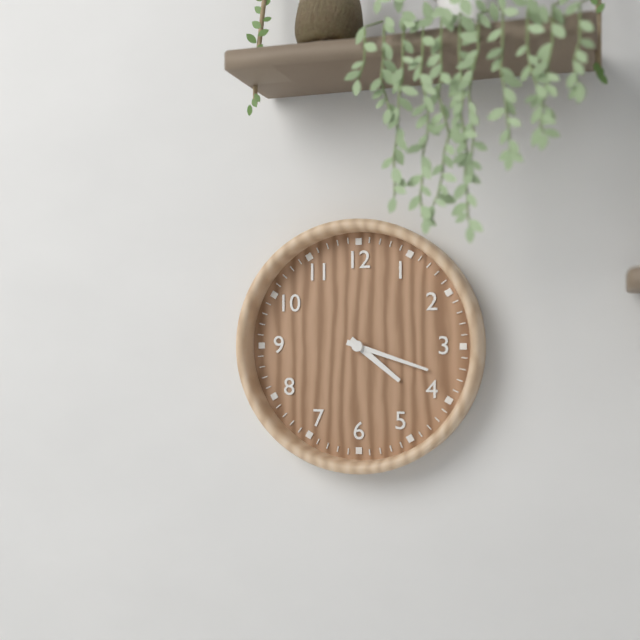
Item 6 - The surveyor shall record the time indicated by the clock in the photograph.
4:18
